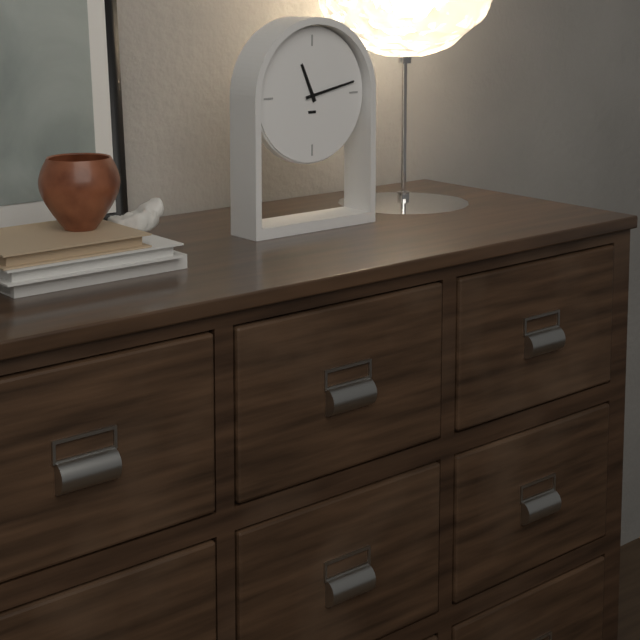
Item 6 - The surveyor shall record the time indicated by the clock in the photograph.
11:13
